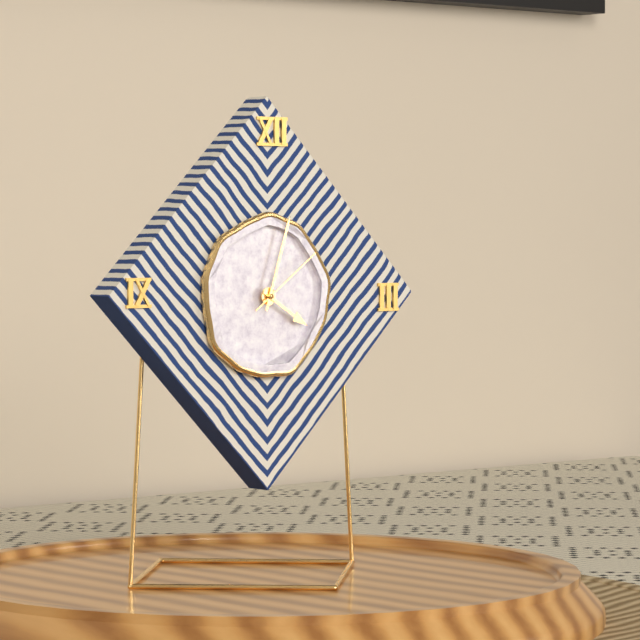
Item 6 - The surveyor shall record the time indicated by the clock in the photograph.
4:03:09
